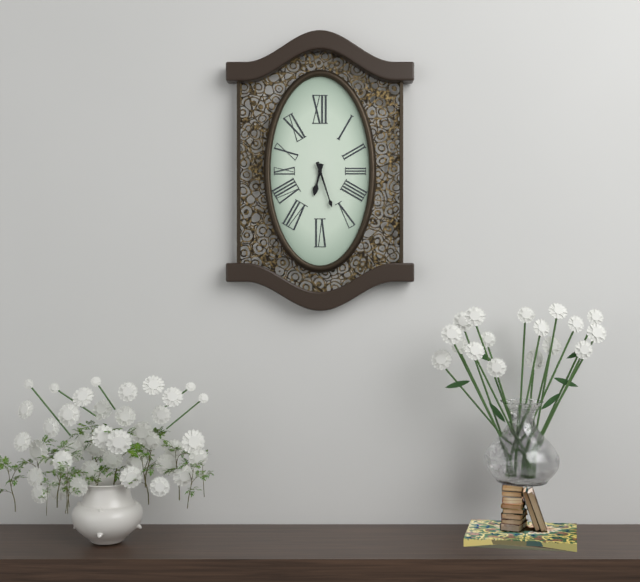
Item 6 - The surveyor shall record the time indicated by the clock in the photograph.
6:27
